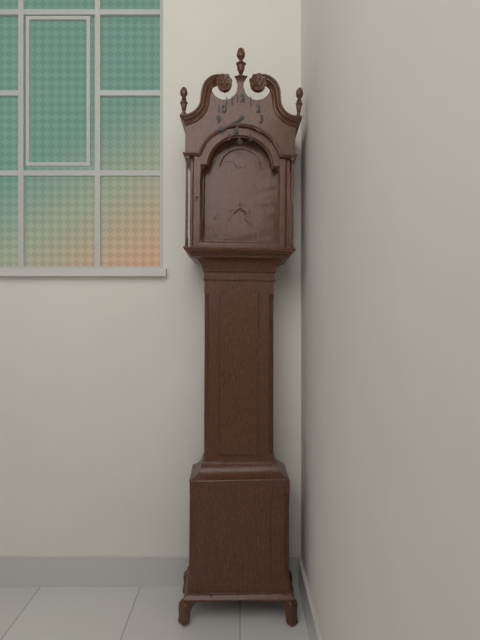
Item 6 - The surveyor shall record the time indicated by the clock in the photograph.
6:40
